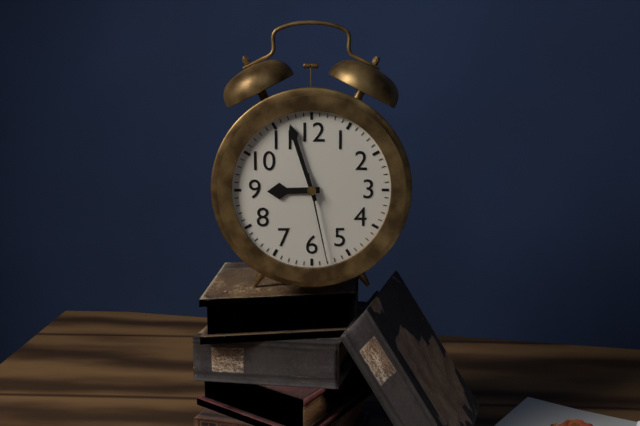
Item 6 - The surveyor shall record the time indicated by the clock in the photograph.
8:57:28
